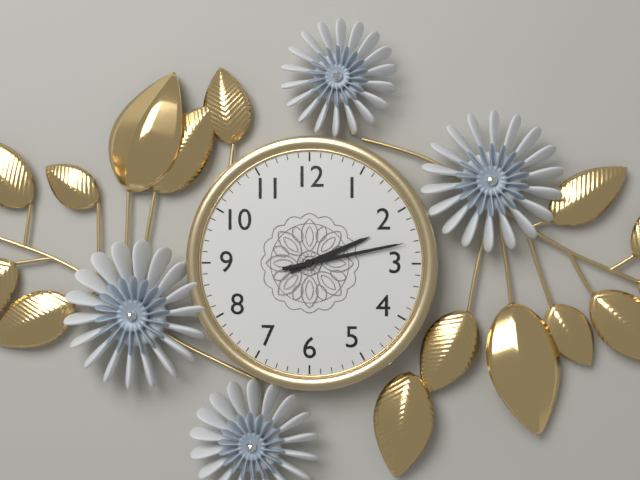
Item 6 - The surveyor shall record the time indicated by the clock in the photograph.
2:13
